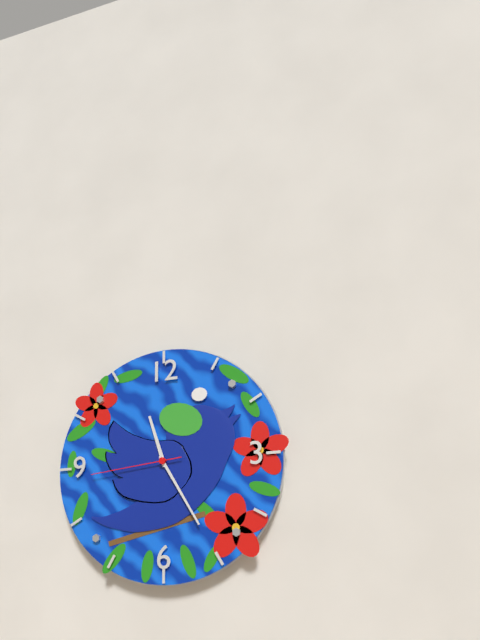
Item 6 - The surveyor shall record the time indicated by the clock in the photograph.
11:25:44
